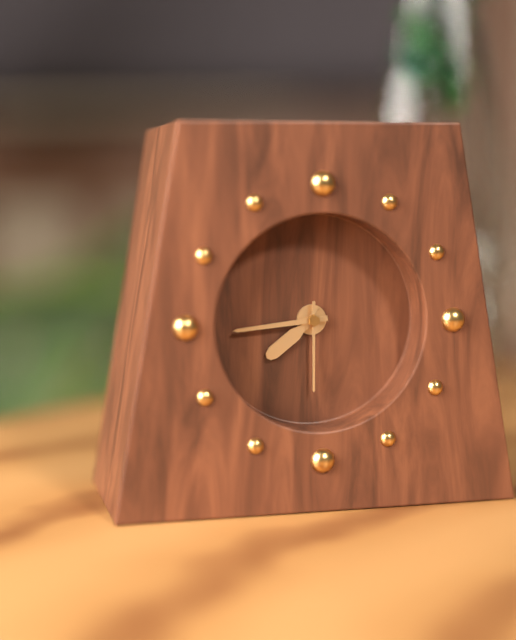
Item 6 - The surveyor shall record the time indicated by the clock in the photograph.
7:44:30
